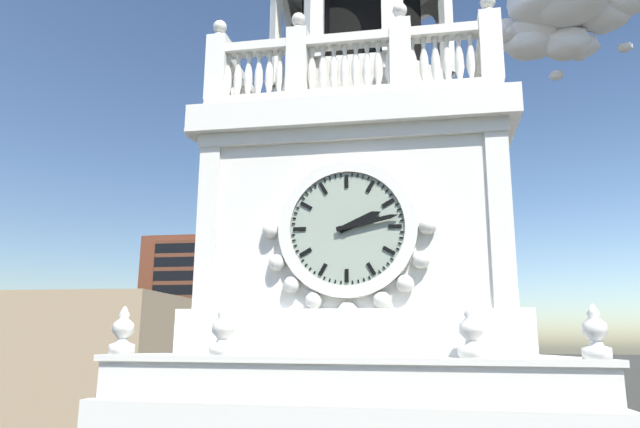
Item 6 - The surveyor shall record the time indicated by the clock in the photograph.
2:13
